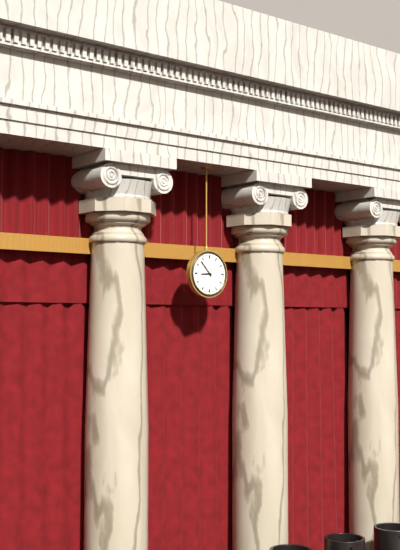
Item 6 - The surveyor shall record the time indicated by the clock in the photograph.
8:53
